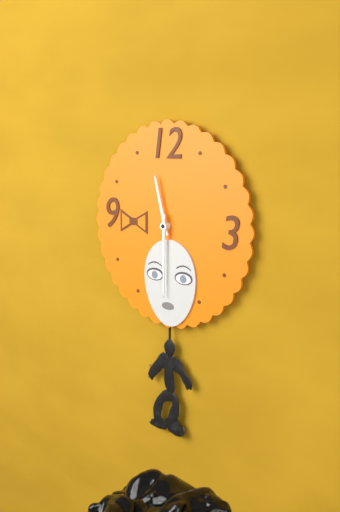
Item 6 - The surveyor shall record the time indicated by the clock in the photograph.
11:30
